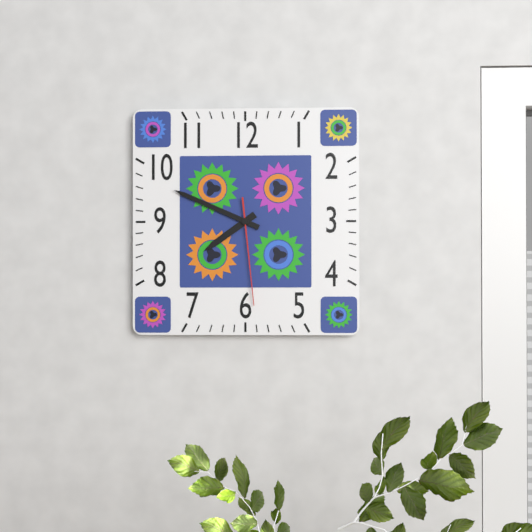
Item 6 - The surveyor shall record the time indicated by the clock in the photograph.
7:49:29
